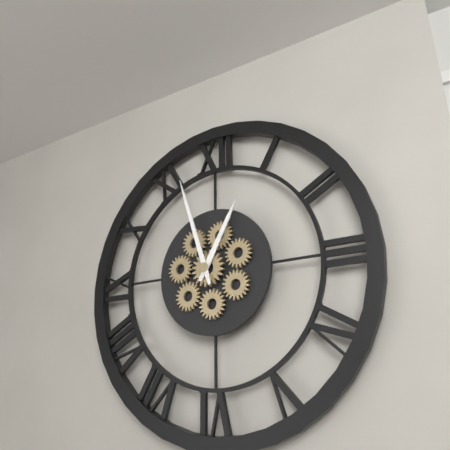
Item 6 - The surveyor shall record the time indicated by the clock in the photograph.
12:57
